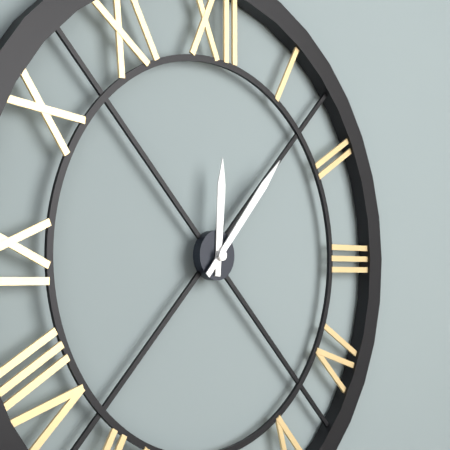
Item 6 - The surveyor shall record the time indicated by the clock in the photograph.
12:07
